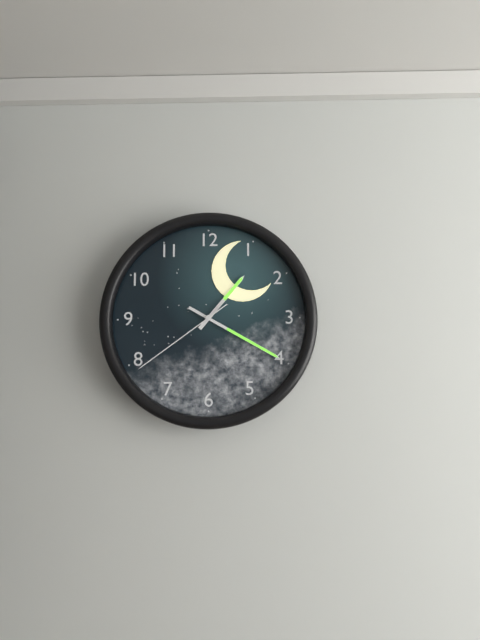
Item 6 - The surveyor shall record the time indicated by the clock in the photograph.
1:20:39
